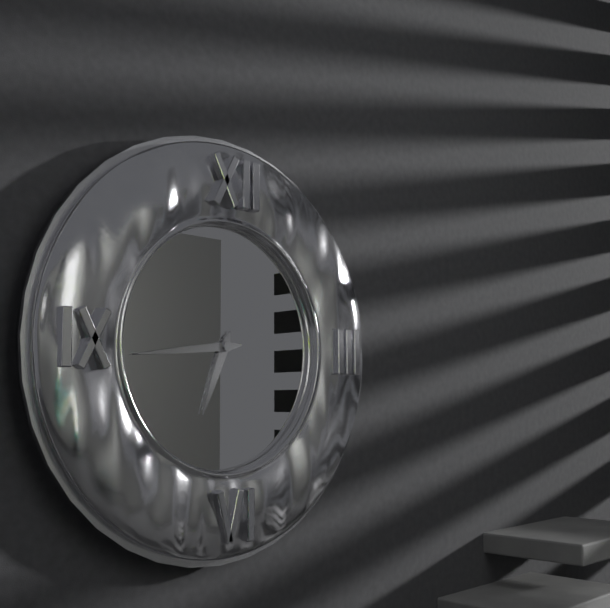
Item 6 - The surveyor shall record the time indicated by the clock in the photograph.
6:44
